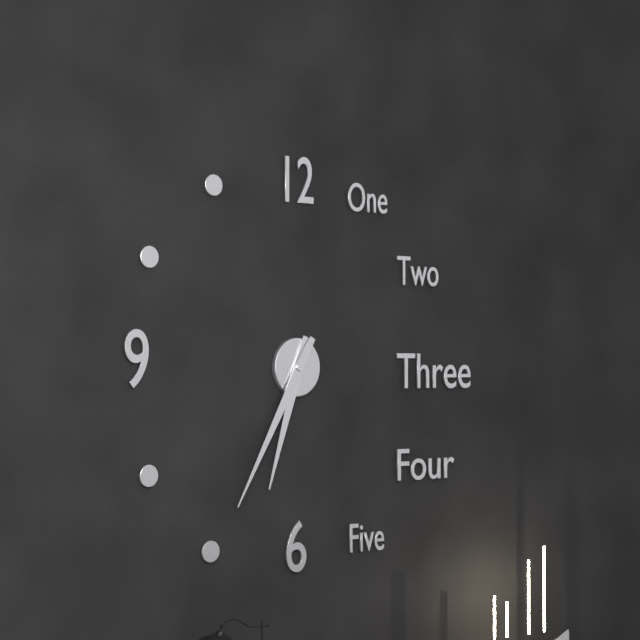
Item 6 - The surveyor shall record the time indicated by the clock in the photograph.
6:35
